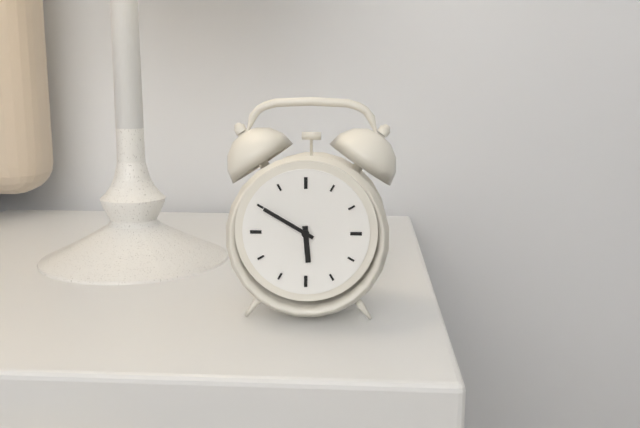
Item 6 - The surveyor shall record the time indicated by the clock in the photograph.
5:50
